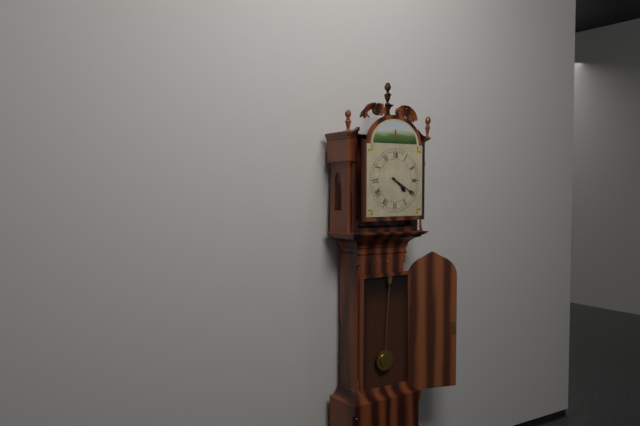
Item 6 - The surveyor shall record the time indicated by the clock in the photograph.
4:20
